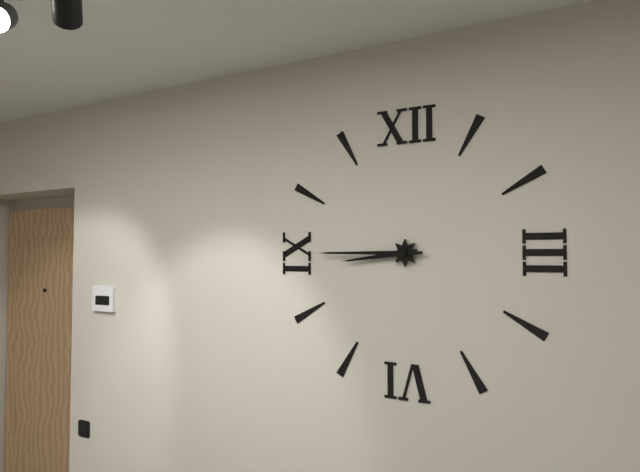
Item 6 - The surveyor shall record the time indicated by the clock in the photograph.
8:45
